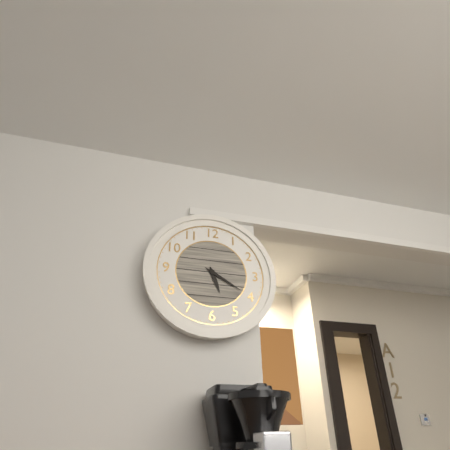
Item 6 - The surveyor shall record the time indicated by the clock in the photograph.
5:20
